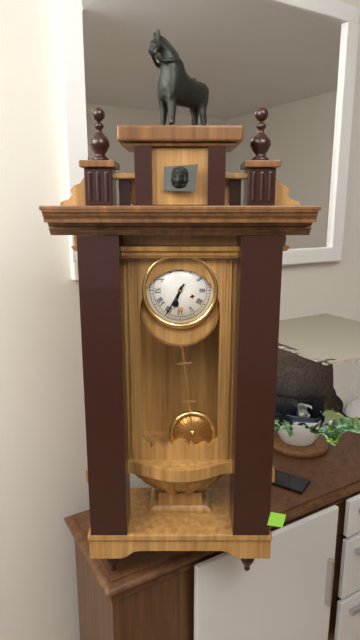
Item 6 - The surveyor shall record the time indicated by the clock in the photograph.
6:35
